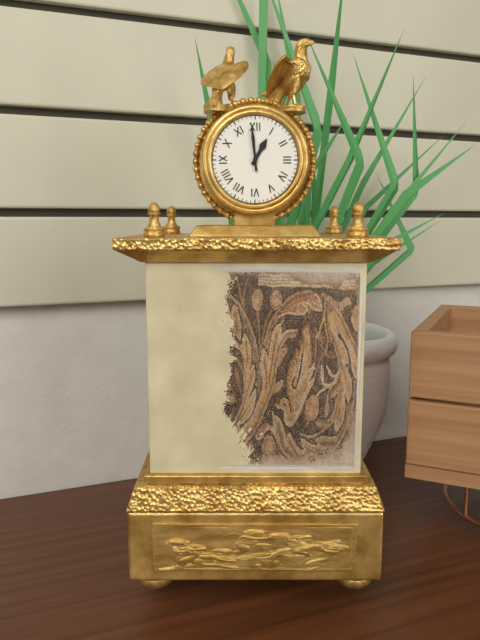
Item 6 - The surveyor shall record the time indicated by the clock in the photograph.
12:59
